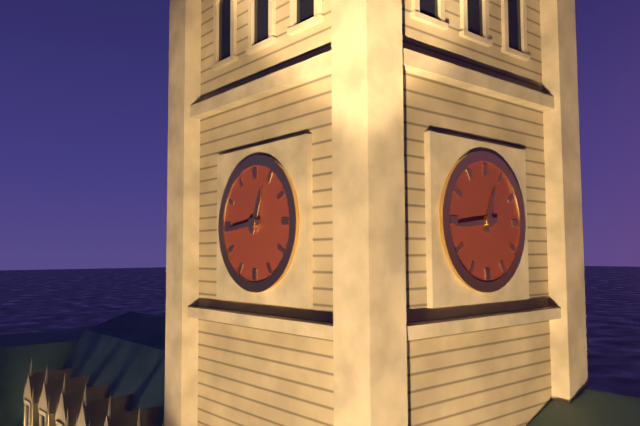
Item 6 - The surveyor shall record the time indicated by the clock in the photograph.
12:44
